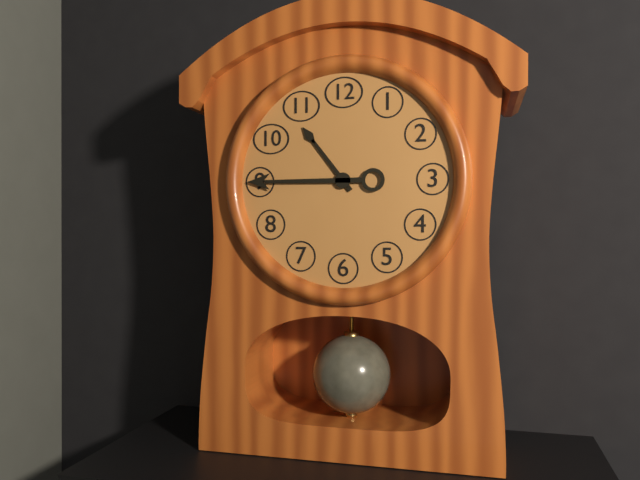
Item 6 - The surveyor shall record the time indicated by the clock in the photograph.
10:45
